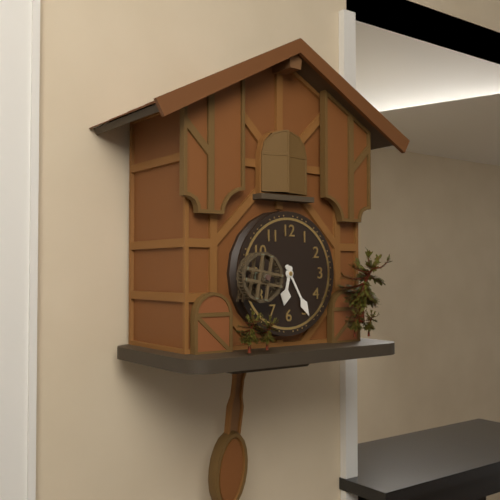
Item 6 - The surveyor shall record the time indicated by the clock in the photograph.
6:25
